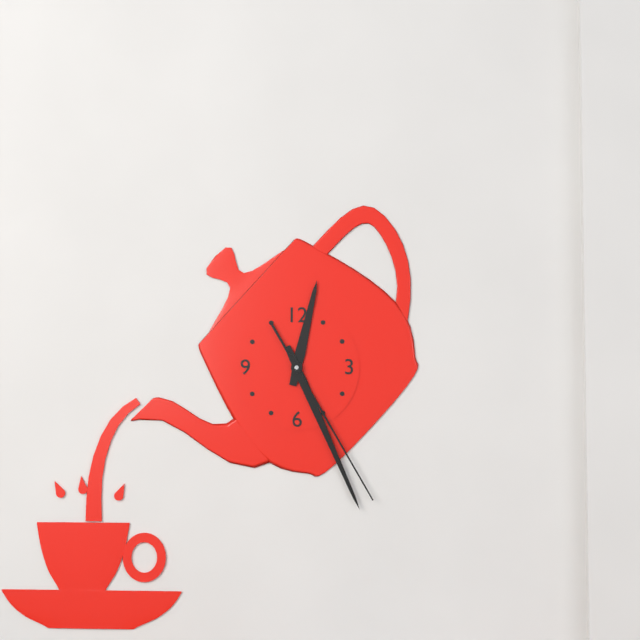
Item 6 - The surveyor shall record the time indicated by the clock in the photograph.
12:26:25
